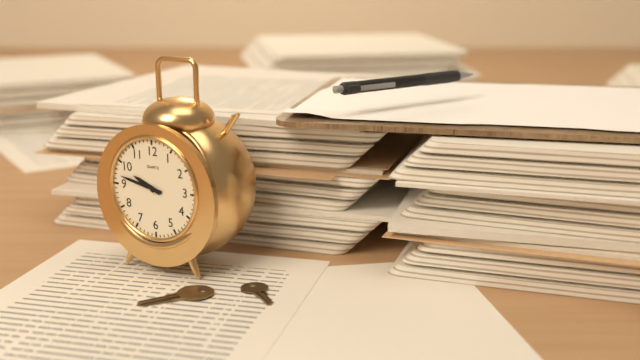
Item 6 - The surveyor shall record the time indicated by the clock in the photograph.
9:47
